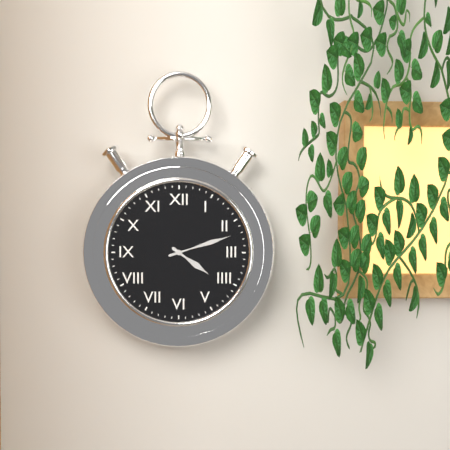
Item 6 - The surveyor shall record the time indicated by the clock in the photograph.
4:12
